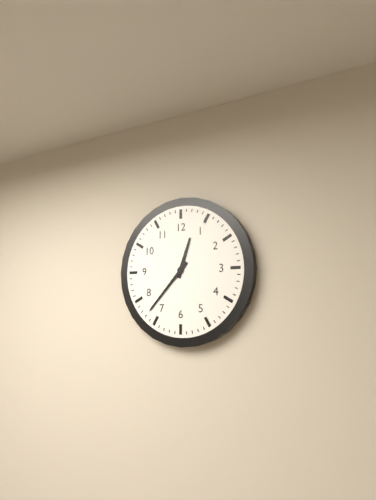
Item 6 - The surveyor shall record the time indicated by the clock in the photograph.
12:37
